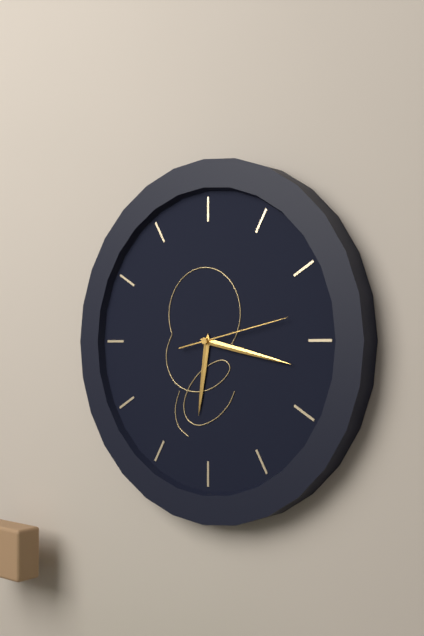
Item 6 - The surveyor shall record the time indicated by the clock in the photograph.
6:17:13
